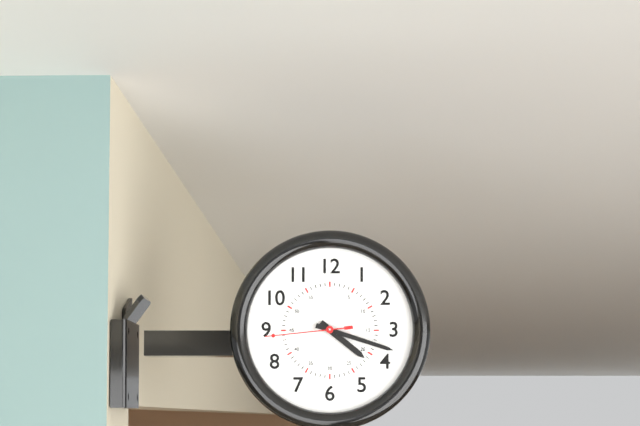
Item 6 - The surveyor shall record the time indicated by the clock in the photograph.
4:18:44
